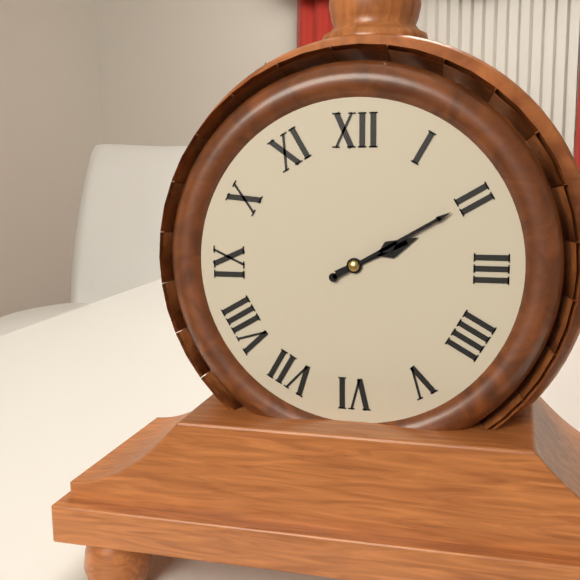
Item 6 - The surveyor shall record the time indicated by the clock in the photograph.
2:10
